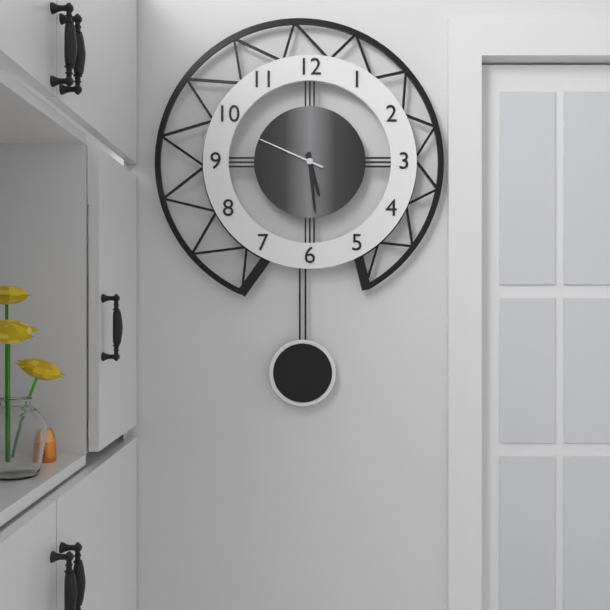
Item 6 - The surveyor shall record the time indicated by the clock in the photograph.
5:29:49
